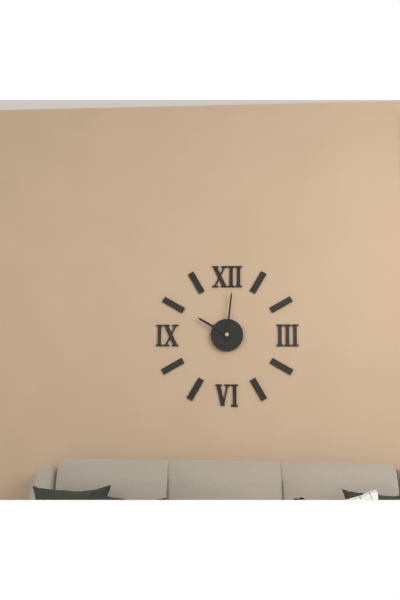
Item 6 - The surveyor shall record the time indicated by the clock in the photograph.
10:01
